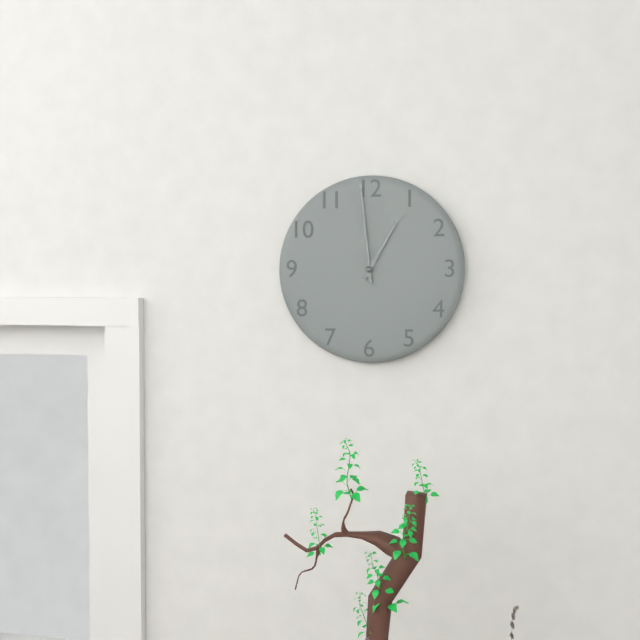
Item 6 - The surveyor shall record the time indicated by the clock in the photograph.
12:59
